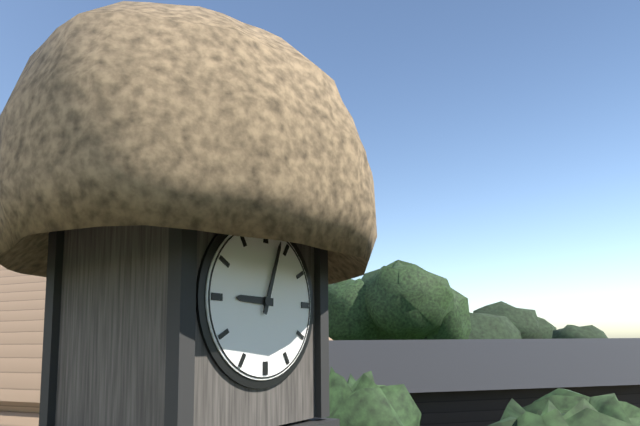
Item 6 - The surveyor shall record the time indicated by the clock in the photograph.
9:03
